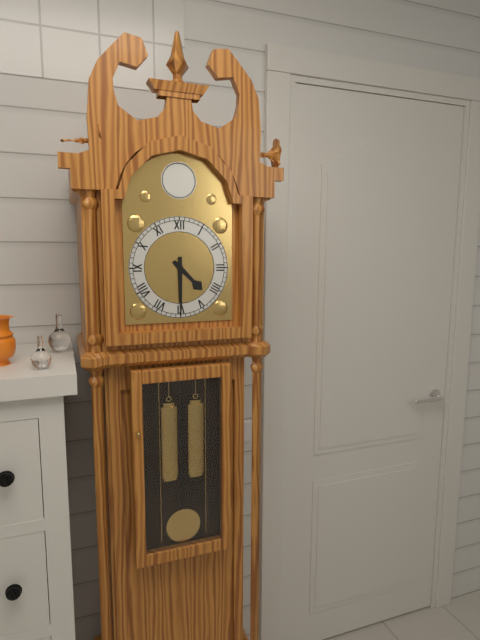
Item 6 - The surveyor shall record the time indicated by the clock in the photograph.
4:30
